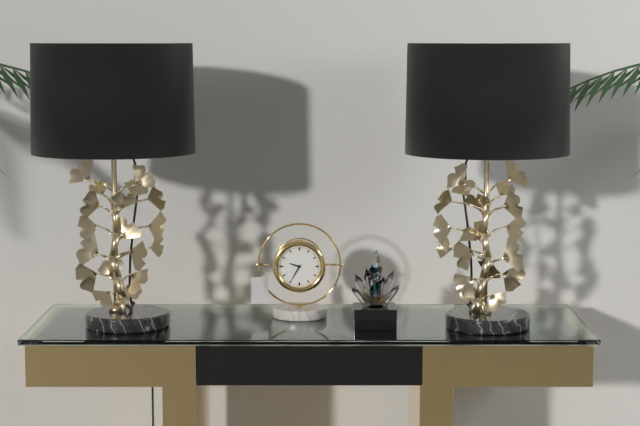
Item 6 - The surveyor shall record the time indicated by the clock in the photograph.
9:35
